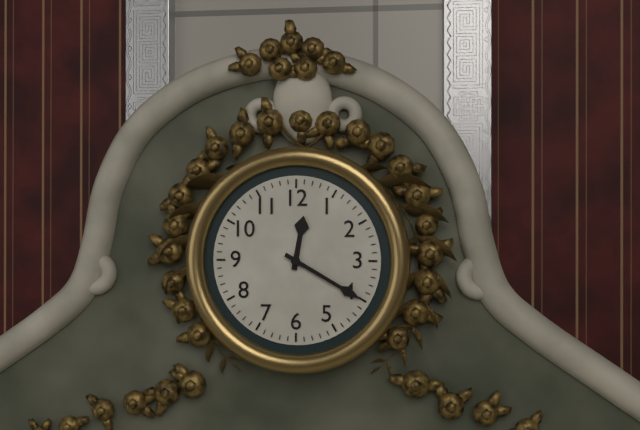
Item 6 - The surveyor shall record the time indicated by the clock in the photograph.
12:20
